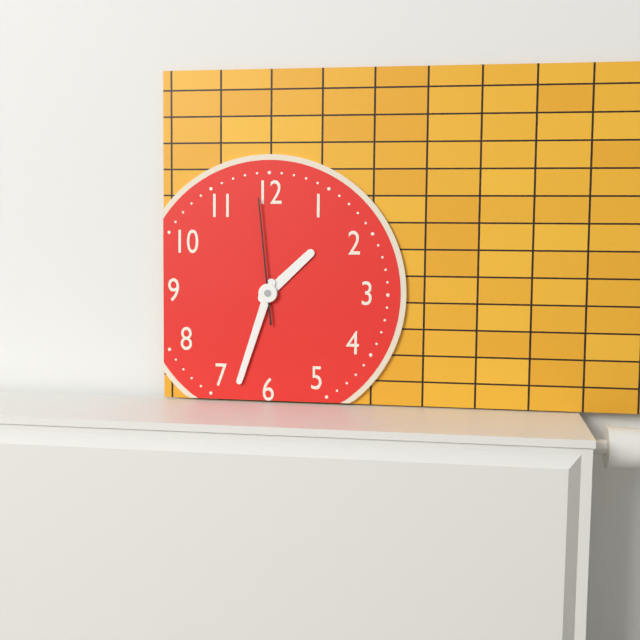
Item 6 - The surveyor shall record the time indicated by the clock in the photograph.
1:33:59
